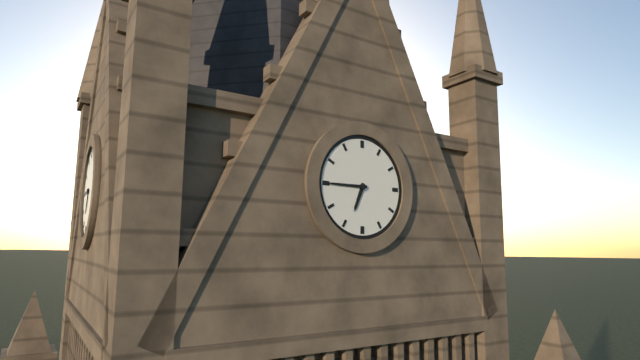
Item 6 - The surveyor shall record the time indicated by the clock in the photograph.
6:45
